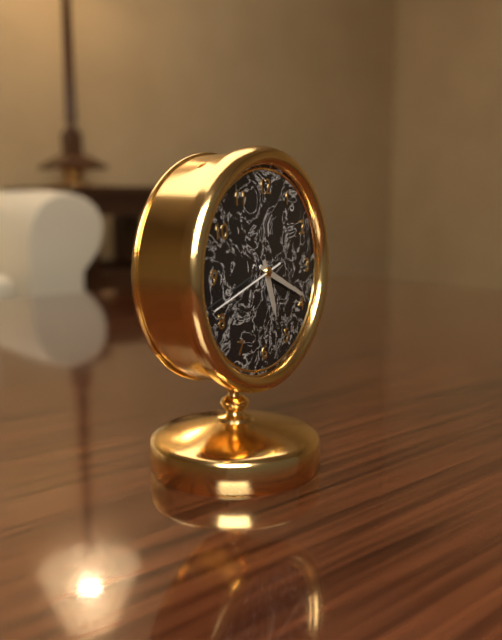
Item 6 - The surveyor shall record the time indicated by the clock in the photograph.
5:19:42
